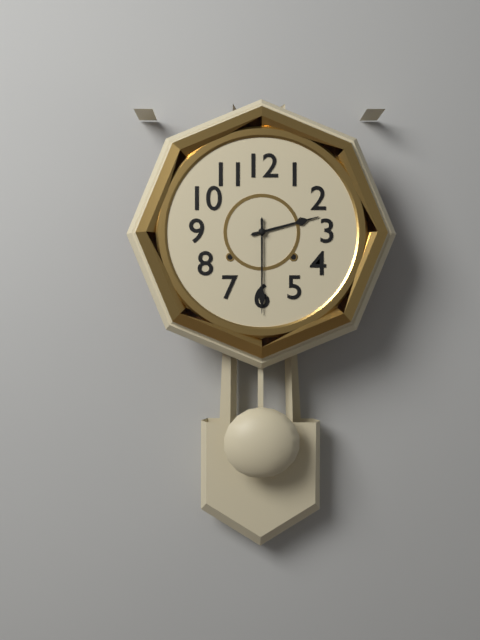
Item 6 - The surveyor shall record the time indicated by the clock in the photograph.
2:30
